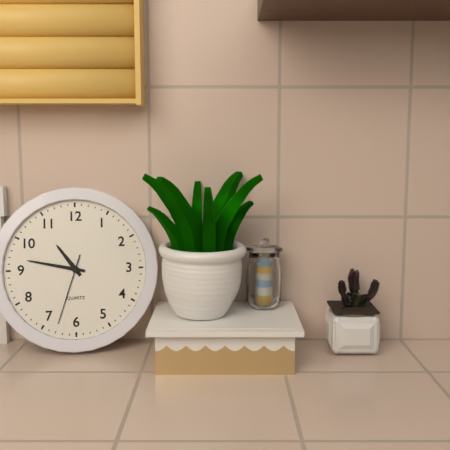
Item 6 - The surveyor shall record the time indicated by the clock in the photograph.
10:47:33
